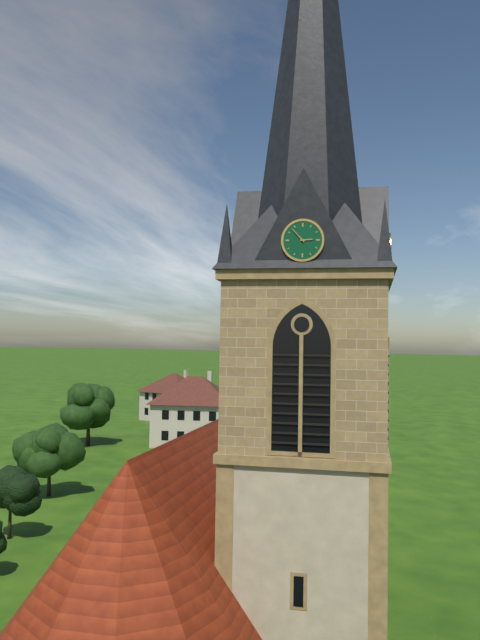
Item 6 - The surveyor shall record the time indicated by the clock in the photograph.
2:53
